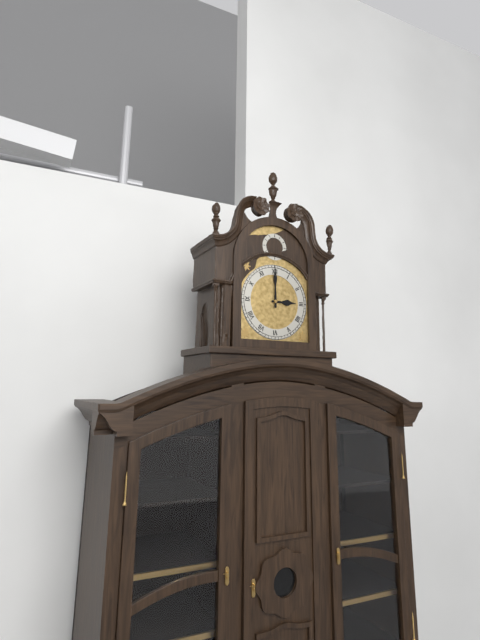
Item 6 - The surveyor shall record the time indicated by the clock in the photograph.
3:00
